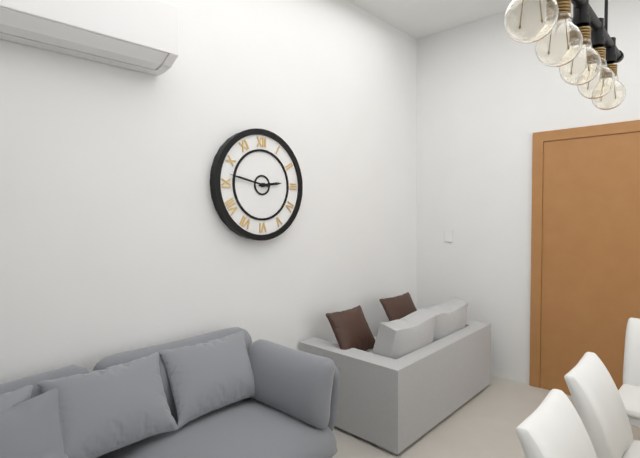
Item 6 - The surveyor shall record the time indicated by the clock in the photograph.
2:47
